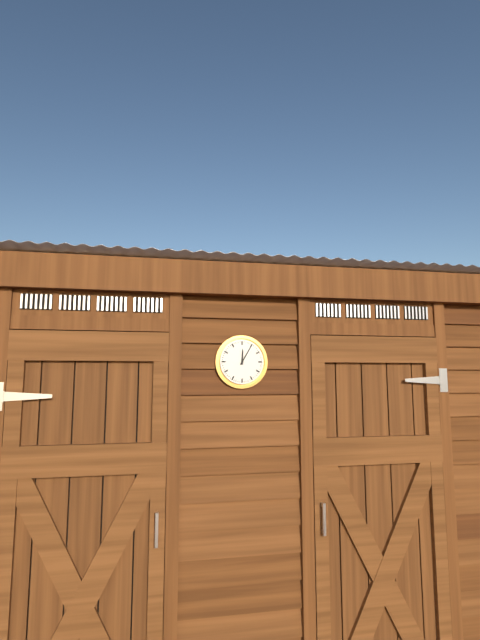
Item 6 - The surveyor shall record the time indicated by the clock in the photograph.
12:05
